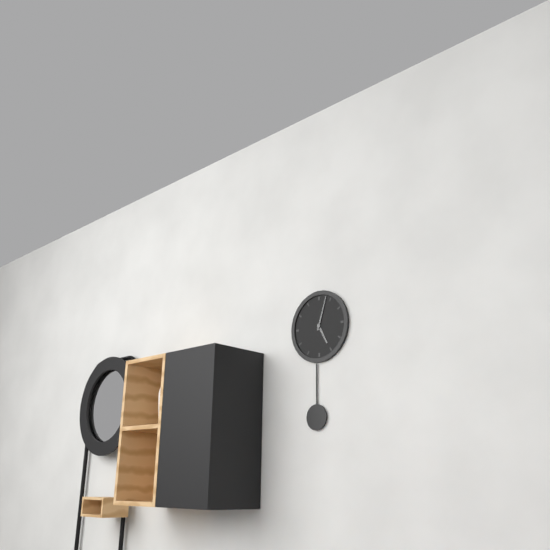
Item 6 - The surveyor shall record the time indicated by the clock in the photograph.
5:03
